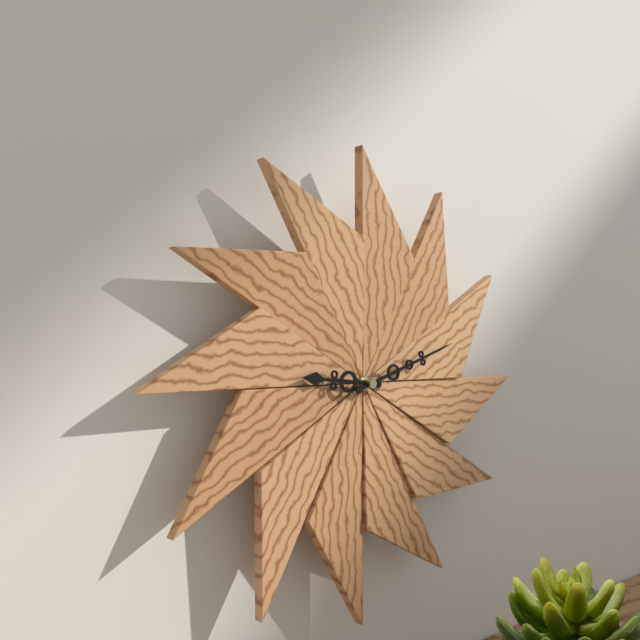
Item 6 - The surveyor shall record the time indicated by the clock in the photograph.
9:12
